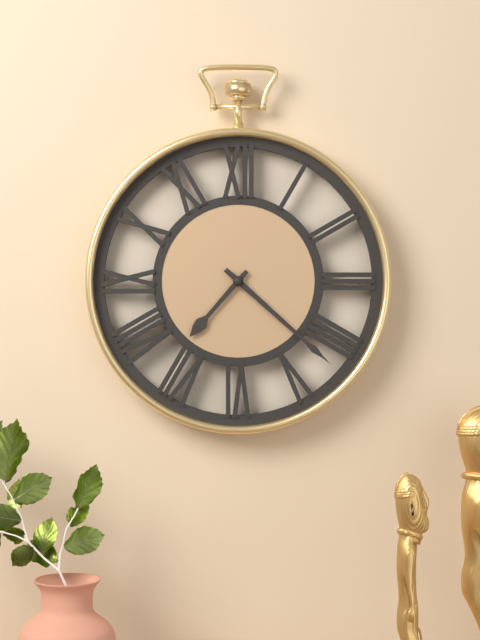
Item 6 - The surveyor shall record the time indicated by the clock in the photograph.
7:22
